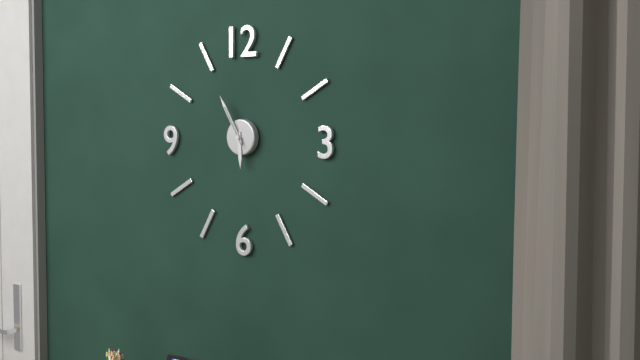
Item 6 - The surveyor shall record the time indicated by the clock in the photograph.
5:55
